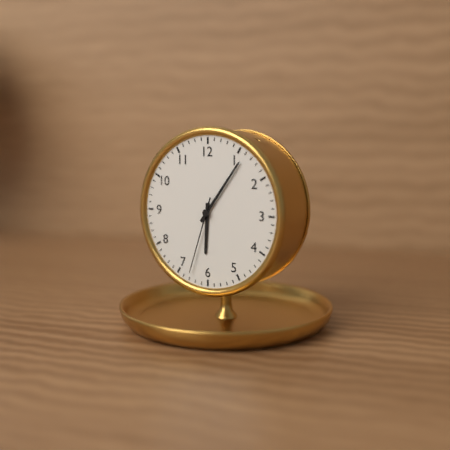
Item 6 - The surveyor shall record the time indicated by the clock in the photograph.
6:06:33
